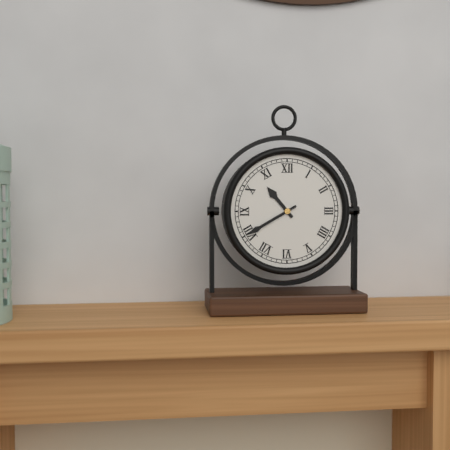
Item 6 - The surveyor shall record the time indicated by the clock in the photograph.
10:40
